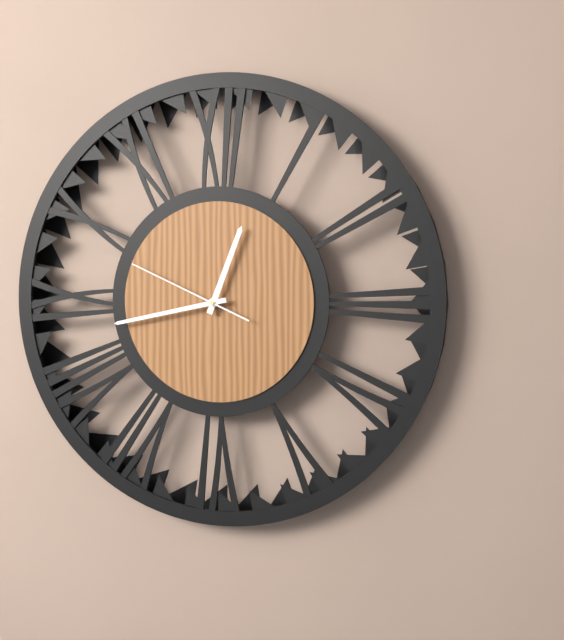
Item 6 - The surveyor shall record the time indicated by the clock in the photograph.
12:43:49
